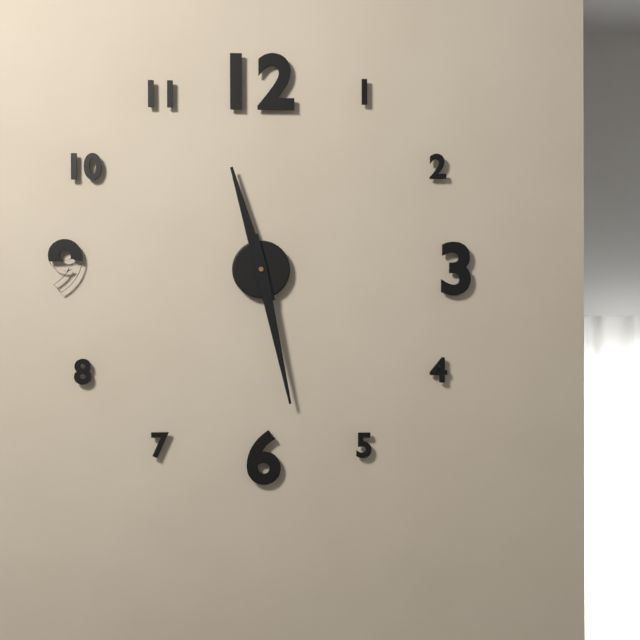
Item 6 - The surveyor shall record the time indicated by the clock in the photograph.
11:28
